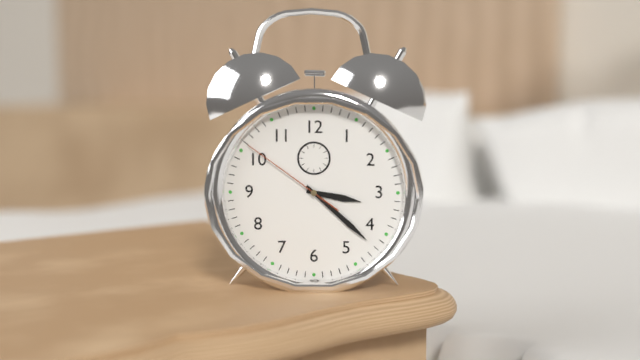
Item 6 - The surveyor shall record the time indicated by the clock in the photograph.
3:22:51
